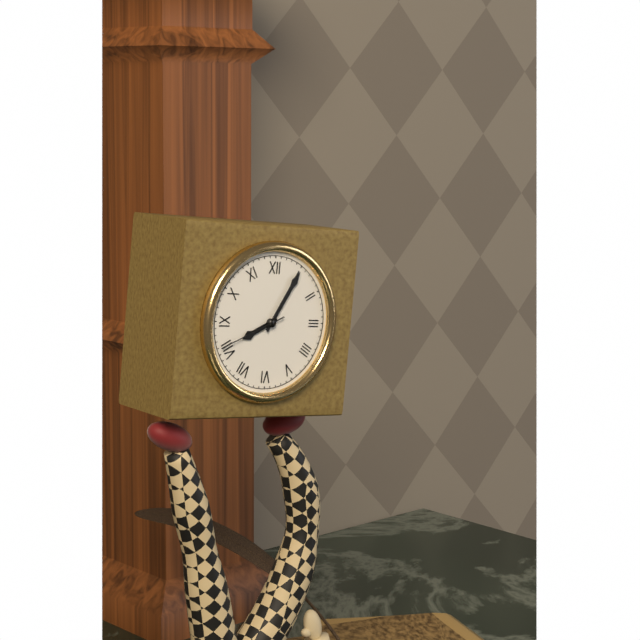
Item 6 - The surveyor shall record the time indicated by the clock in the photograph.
8:05
